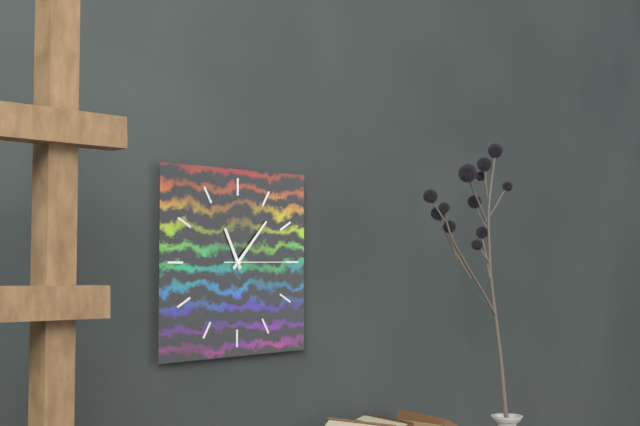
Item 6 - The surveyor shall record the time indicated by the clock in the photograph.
11:07:15
